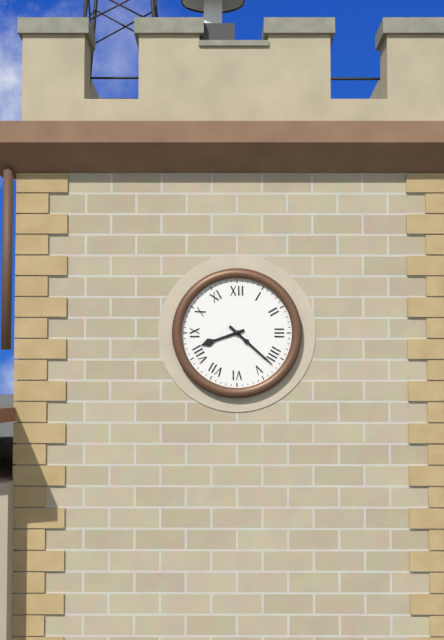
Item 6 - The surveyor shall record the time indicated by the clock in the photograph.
8:22
